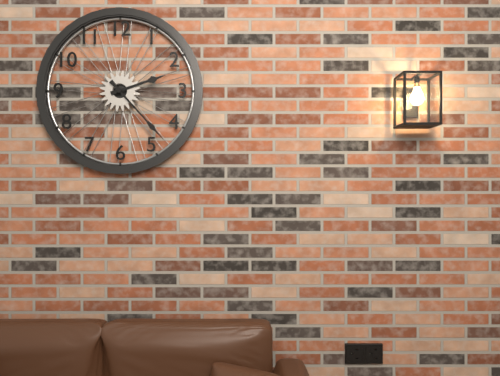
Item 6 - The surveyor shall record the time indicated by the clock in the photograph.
2:23
